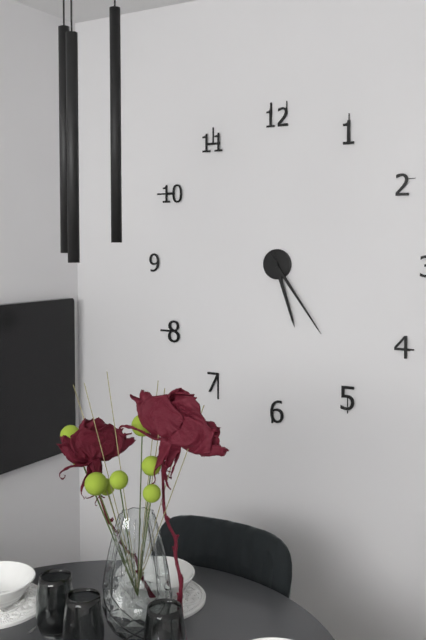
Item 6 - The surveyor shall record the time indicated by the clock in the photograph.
5:24
